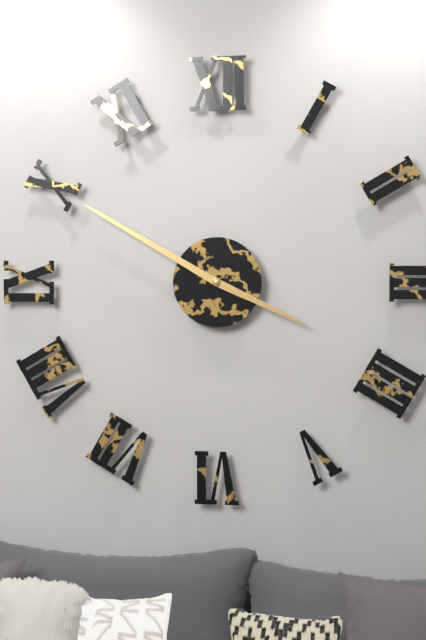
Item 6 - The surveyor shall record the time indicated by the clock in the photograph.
3:50
